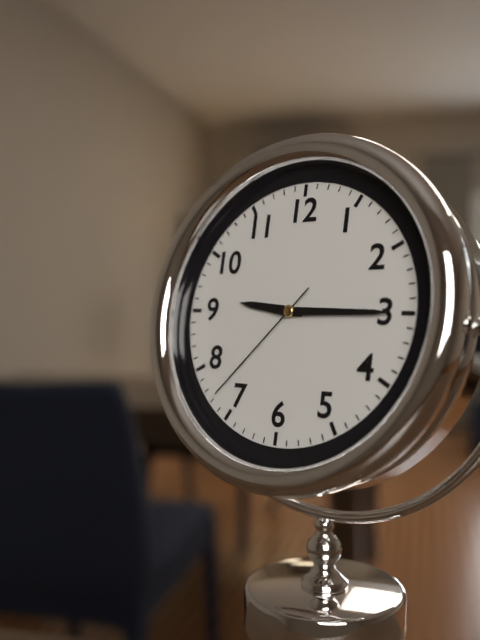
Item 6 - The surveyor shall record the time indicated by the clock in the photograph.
9:15:37
